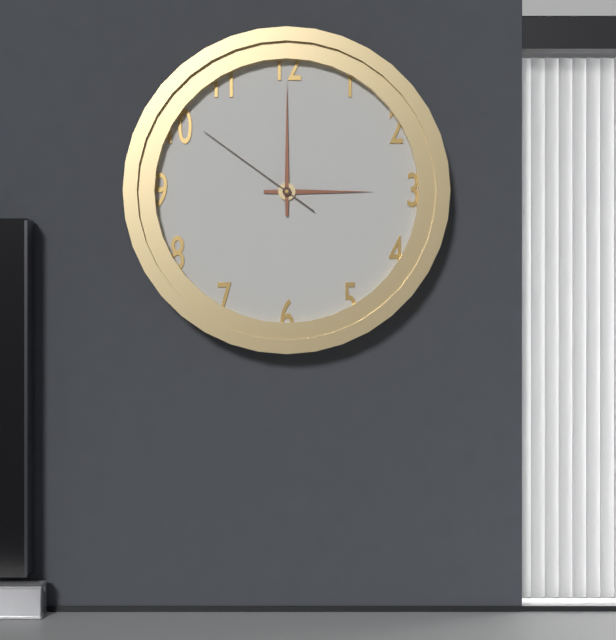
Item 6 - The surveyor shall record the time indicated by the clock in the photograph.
3:00:51
